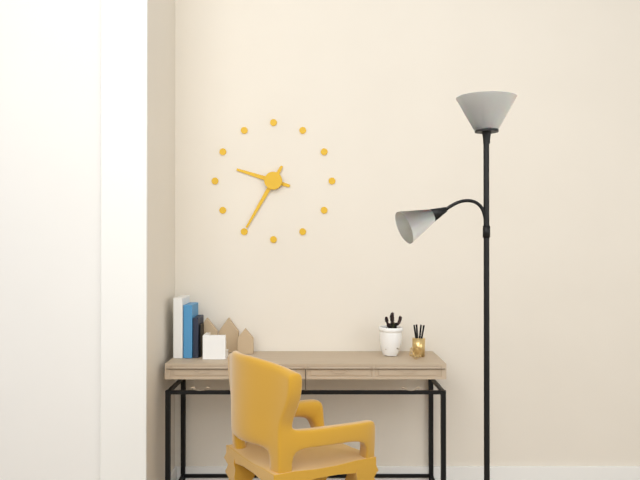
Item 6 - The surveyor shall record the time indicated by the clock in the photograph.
9:35
